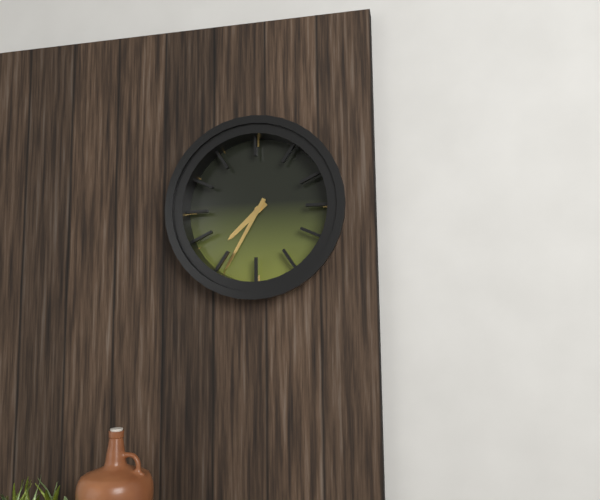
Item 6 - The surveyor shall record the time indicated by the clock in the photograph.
7:35
